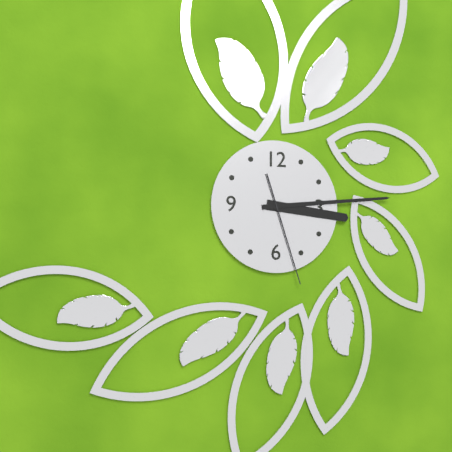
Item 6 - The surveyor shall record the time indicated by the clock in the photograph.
3:14:27
